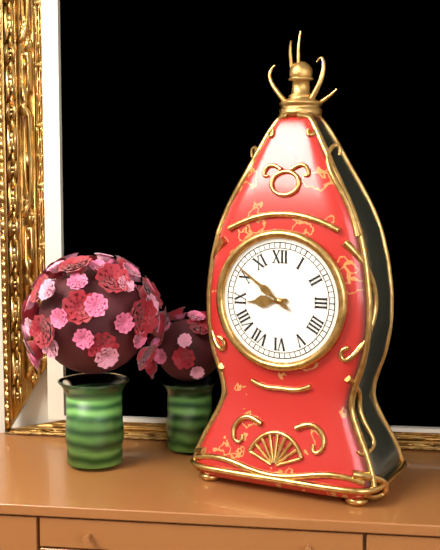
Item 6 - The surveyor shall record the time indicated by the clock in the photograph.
8:51
